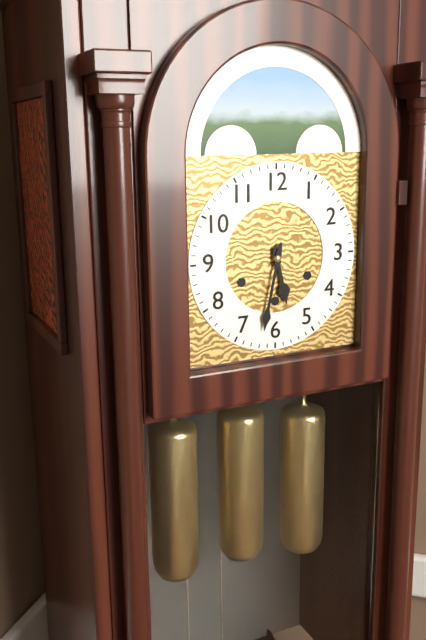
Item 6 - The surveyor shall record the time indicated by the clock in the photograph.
5:32
